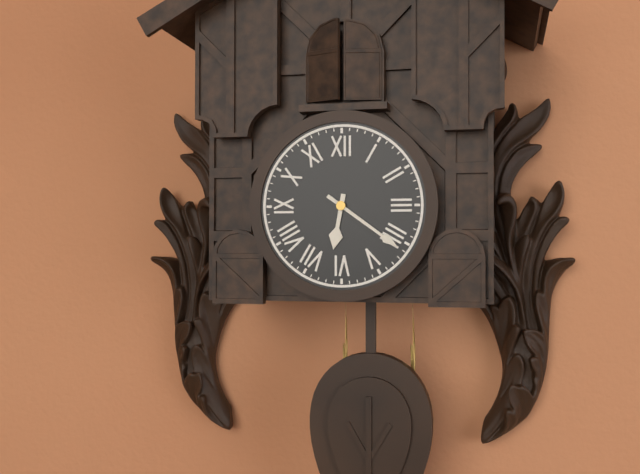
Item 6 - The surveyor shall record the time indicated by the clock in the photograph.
6:21
